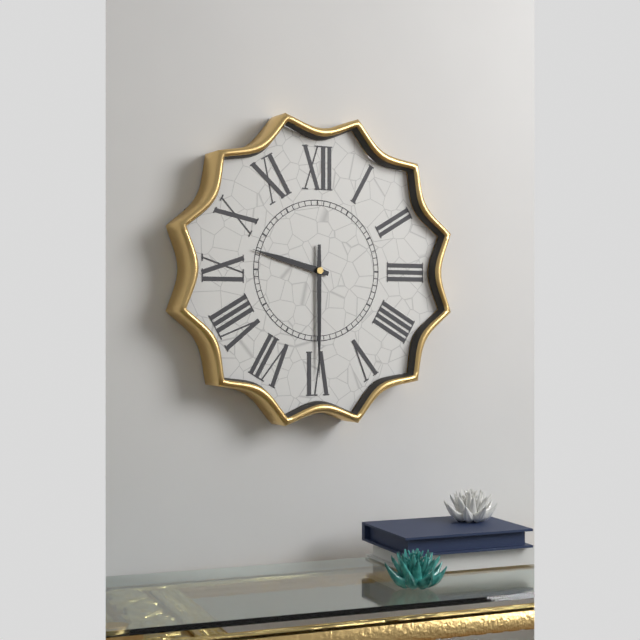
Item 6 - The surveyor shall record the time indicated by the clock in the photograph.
9:30
